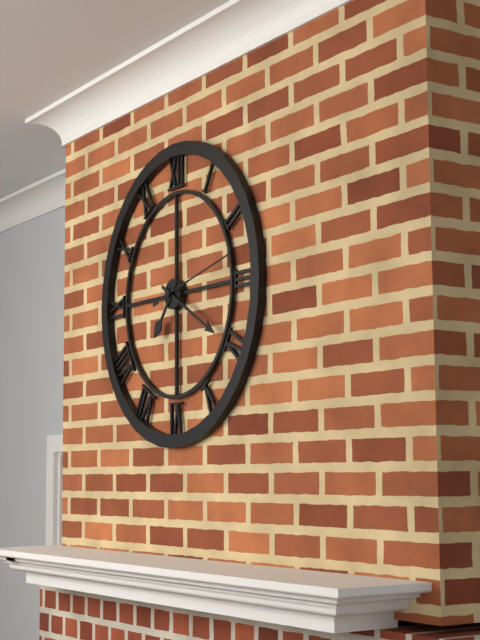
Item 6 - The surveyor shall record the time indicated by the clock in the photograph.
7:20:13
